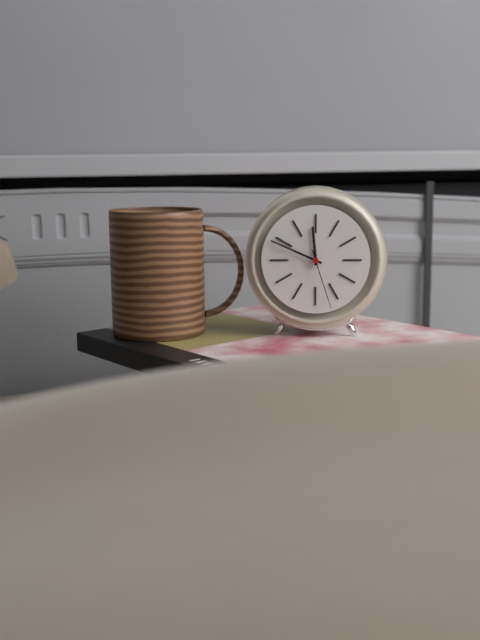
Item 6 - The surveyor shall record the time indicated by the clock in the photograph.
11:49:27
